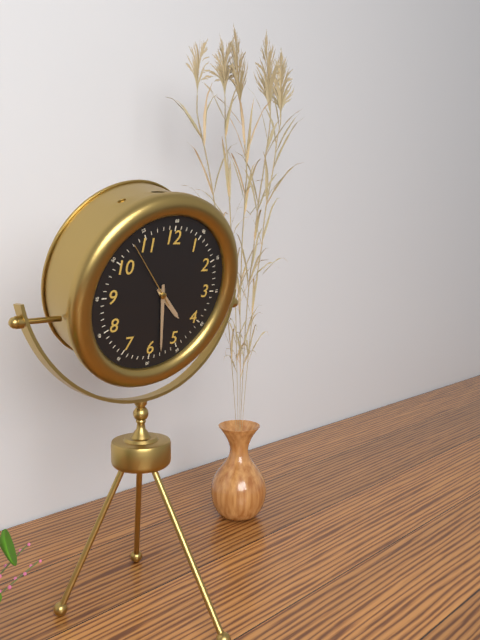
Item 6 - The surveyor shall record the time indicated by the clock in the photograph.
4:28:53
